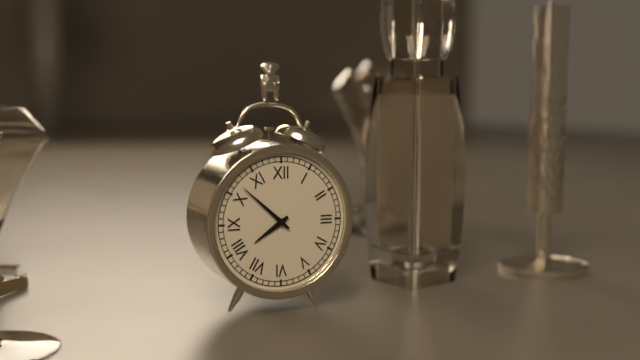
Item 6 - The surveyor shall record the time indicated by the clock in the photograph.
7:52
